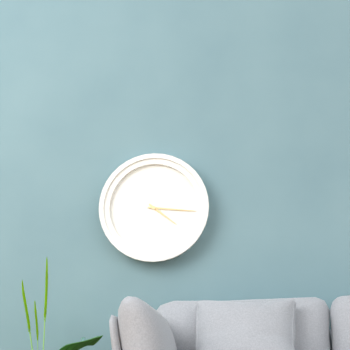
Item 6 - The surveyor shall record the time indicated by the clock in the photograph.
4:16
